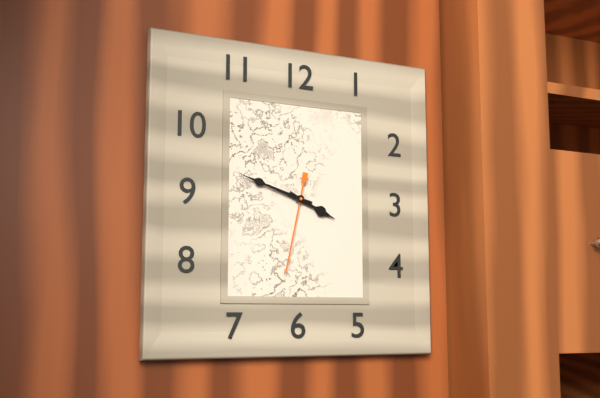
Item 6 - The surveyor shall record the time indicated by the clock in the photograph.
3:48:32
